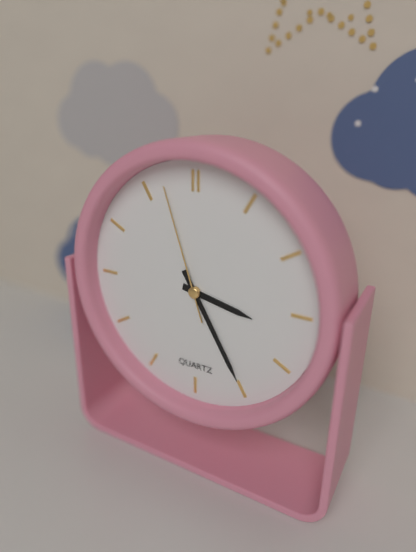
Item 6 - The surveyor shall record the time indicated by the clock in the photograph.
3:25:57
